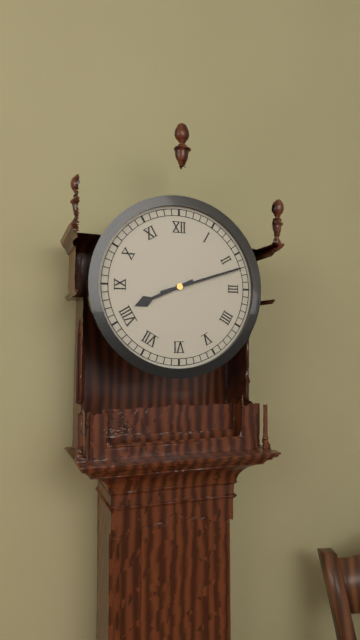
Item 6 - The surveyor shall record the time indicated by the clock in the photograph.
8:12
